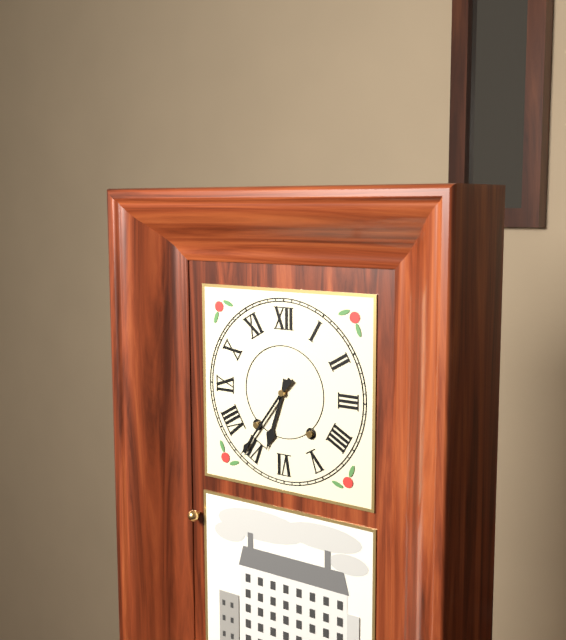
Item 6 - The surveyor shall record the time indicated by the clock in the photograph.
6:36
